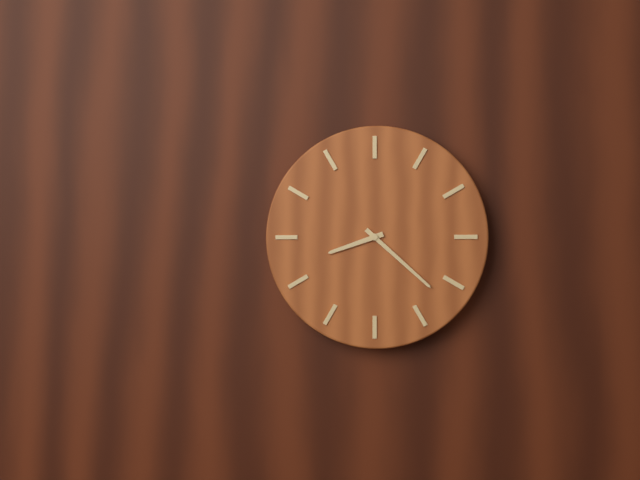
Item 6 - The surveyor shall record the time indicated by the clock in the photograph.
8:22
